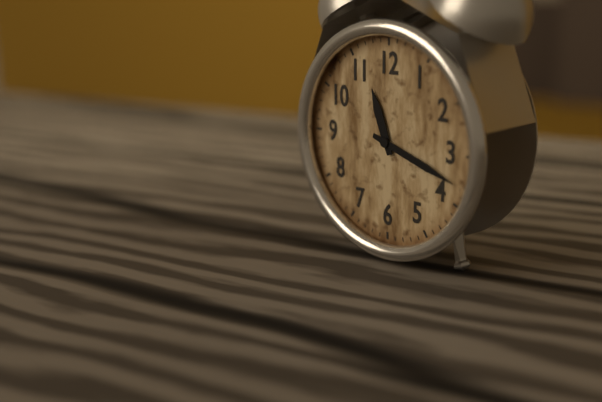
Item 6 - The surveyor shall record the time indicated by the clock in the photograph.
11:18
